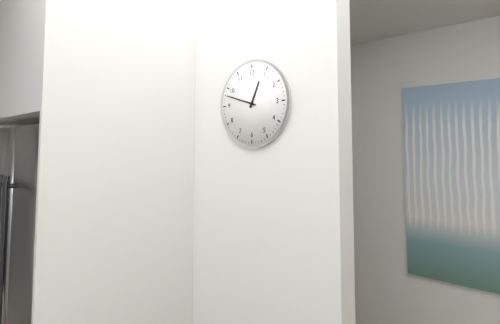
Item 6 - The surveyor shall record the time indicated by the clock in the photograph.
12:48
